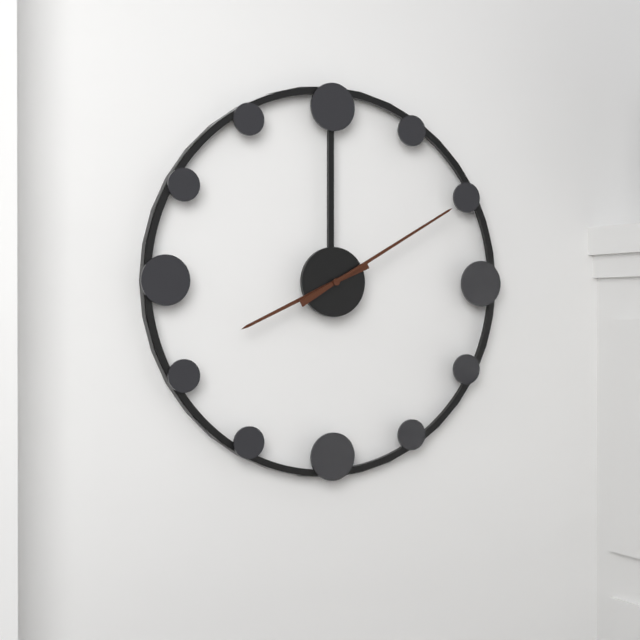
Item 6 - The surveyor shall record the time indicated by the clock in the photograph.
8:10
